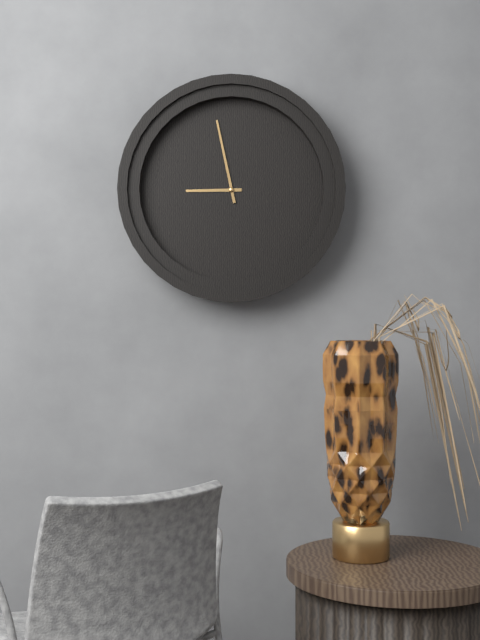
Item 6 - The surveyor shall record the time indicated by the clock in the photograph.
8:58
